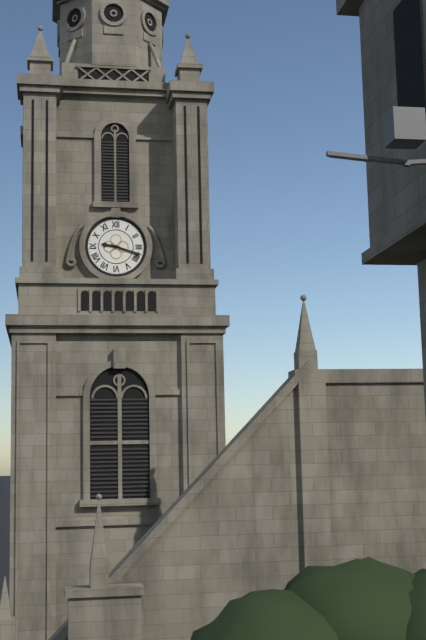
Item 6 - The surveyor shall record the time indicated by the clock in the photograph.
9:18
